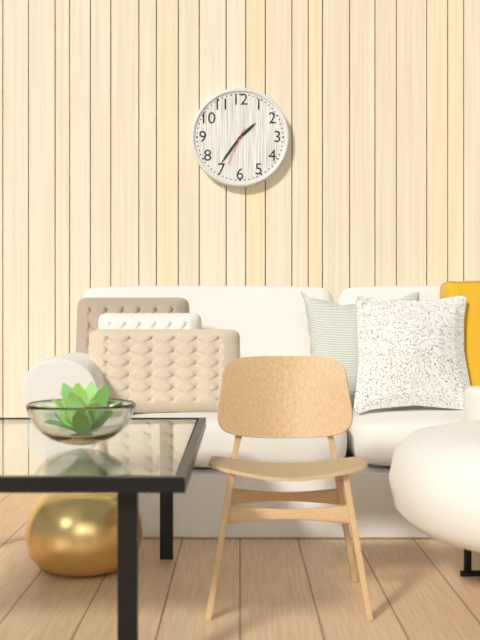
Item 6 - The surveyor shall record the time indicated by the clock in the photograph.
1:36
